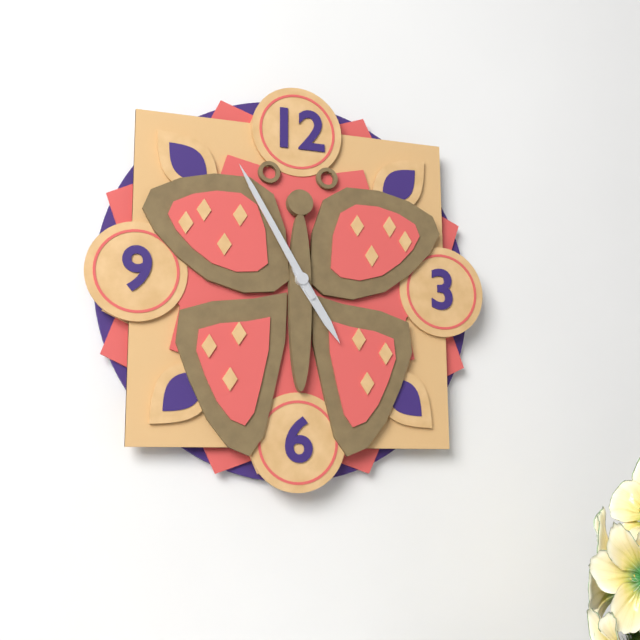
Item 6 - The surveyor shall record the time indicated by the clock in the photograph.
4:55
